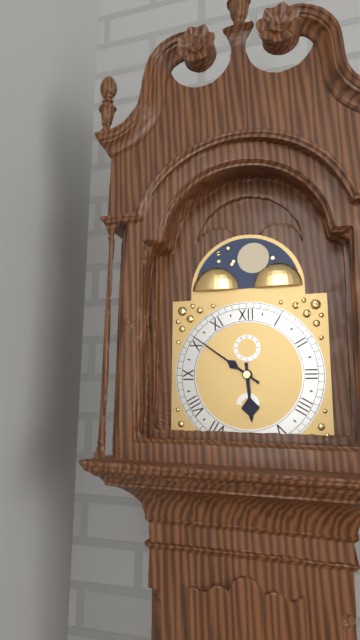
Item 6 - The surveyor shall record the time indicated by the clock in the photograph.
5:51
